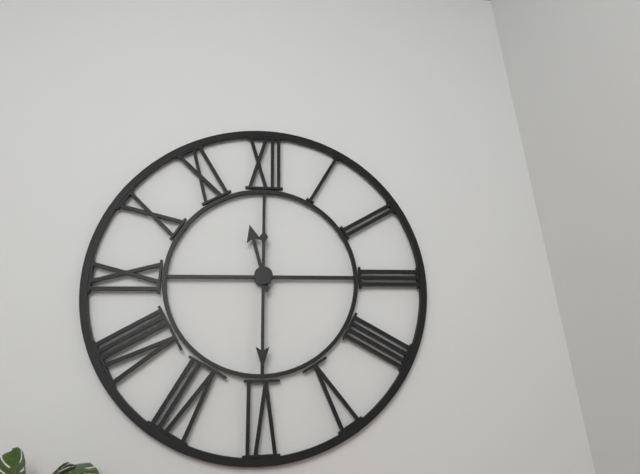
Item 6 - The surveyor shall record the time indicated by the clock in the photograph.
11:30
